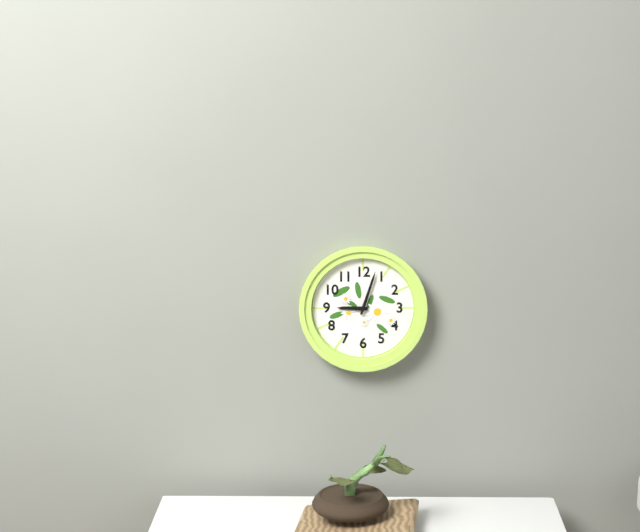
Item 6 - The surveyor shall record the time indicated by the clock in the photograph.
9:03
